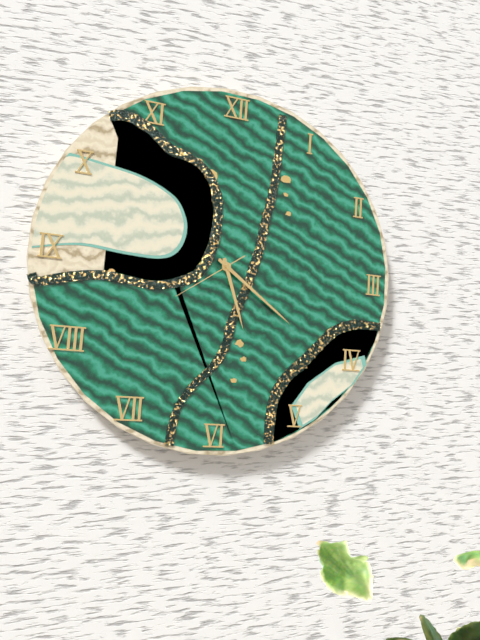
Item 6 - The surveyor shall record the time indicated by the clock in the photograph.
5:21:39
